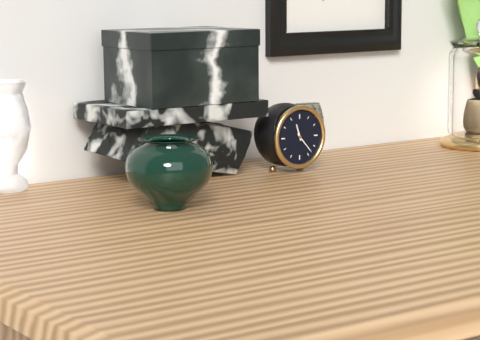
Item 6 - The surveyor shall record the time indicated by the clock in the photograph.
11:23
